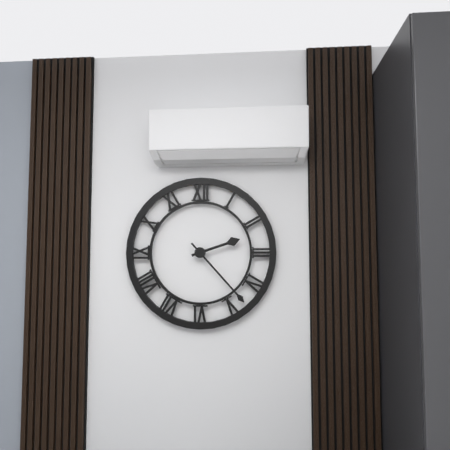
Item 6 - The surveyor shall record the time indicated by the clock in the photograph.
2:23
